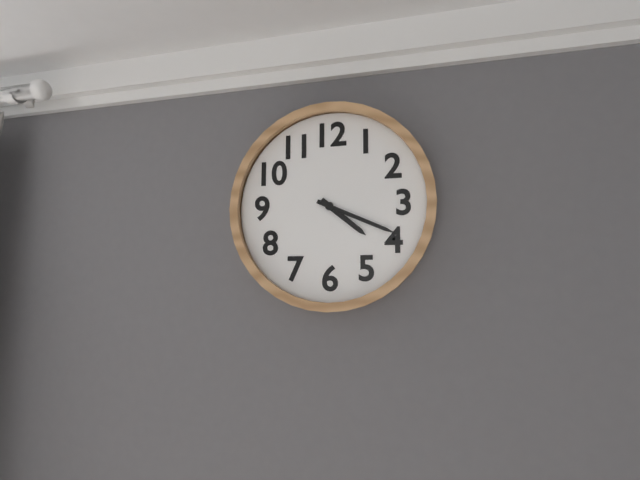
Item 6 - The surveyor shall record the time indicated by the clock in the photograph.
4:19
